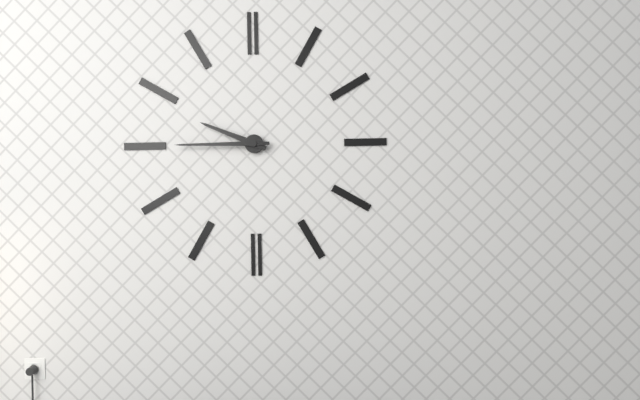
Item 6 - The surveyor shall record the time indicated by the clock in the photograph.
9:45
